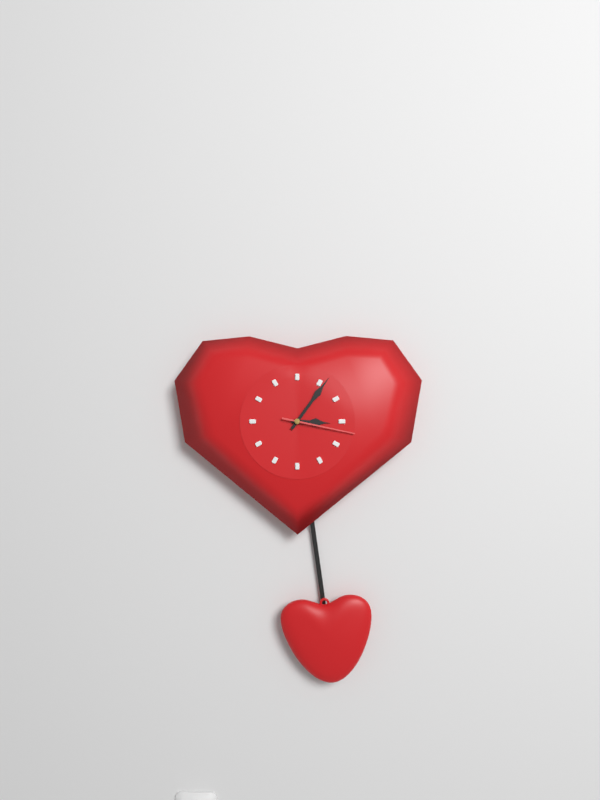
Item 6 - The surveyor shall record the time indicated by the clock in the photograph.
3:06:17
